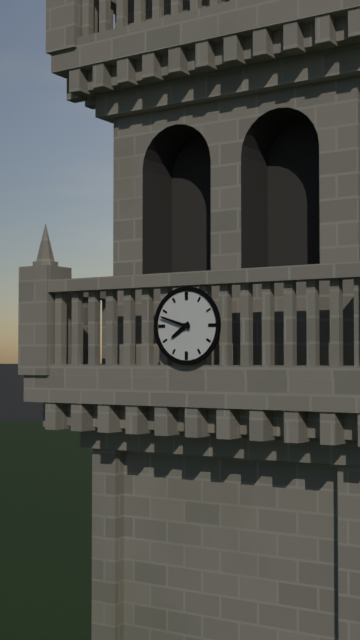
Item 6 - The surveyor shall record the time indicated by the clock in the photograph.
7:48
